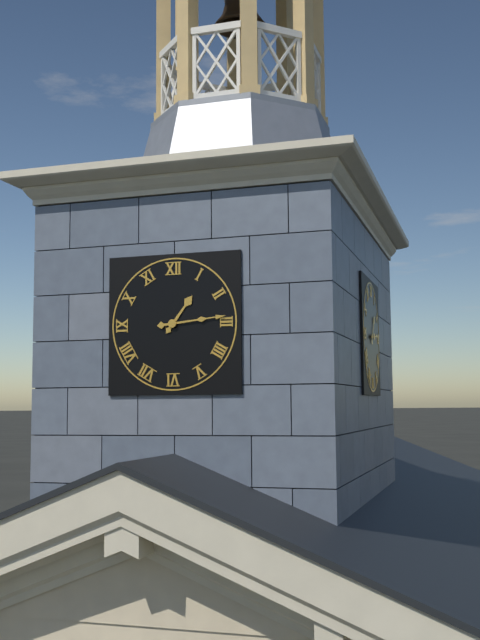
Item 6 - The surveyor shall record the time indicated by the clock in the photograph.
1:14
